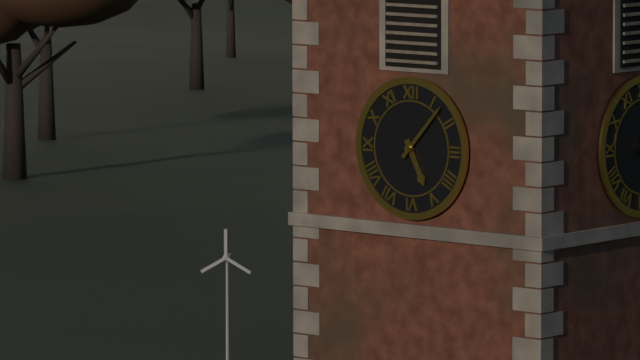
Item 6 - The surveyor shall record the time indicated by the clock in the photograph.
5:07
